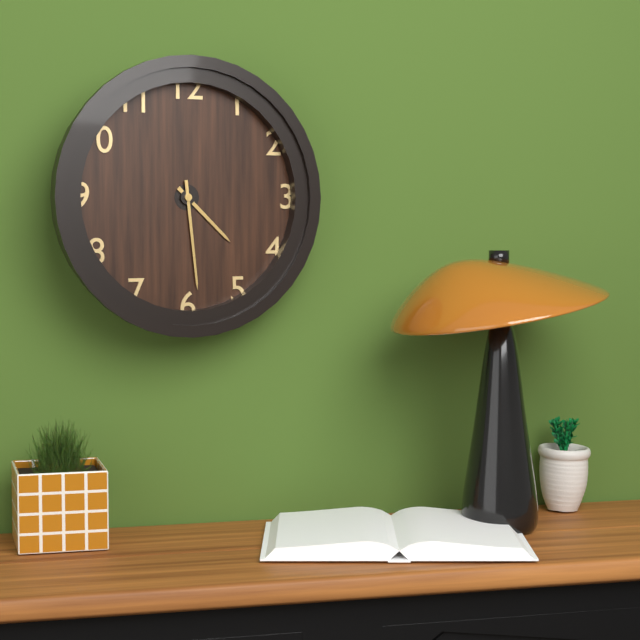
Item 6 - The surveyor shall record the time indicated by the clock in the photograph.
4:29
